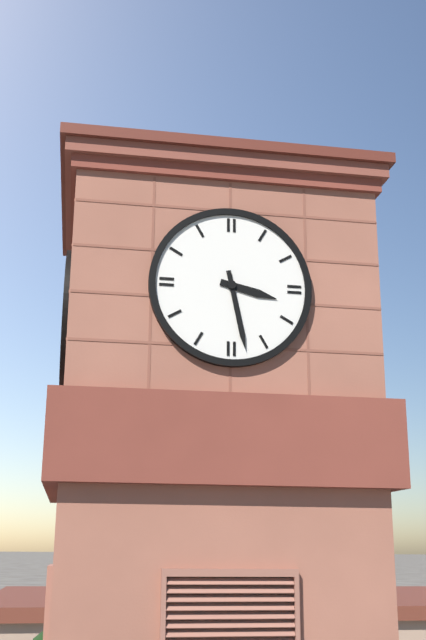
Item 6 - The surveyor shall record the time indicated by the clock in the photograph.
3:28
